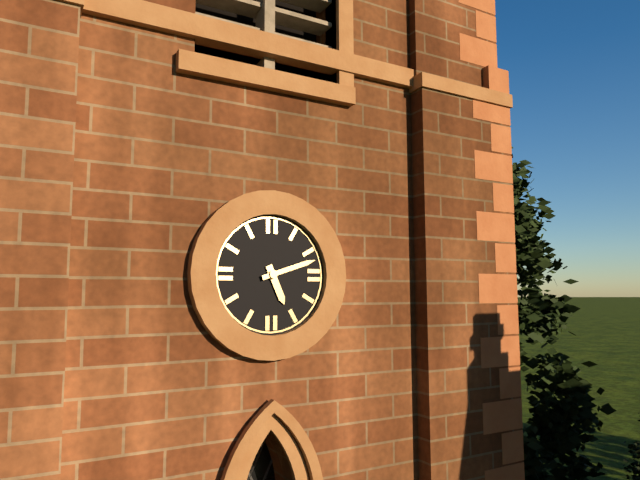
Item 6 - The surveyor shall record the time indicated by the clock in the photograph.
5:12
